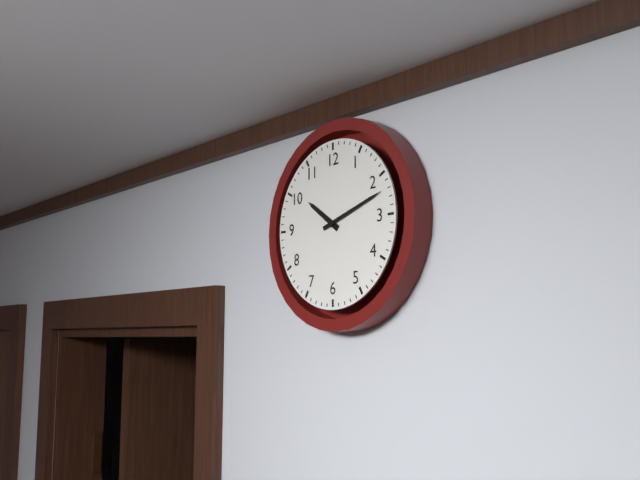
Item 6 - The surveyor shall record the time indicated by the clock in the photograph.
10:12
